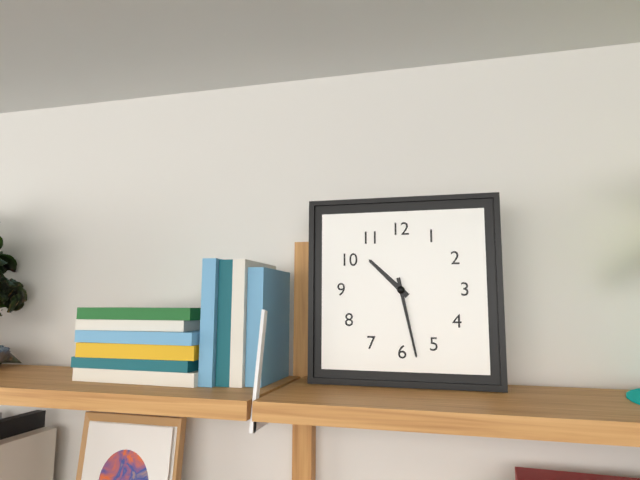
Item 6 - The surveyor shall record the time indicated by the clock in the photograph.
10:28
